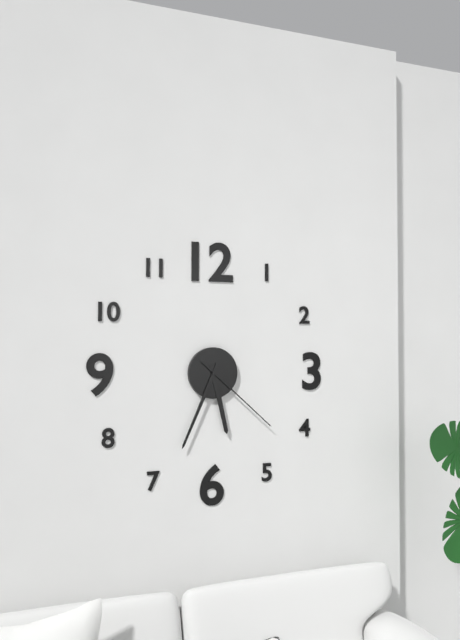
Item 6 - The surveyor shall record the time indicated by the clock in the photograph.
5:34:22
